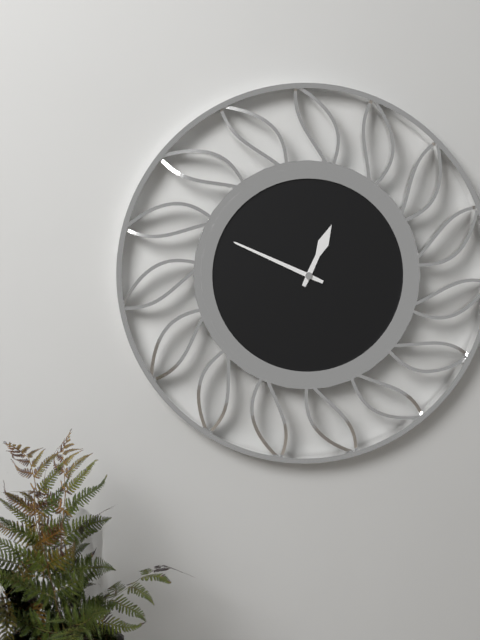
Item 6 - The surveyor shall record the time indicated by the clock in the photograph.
12:49
